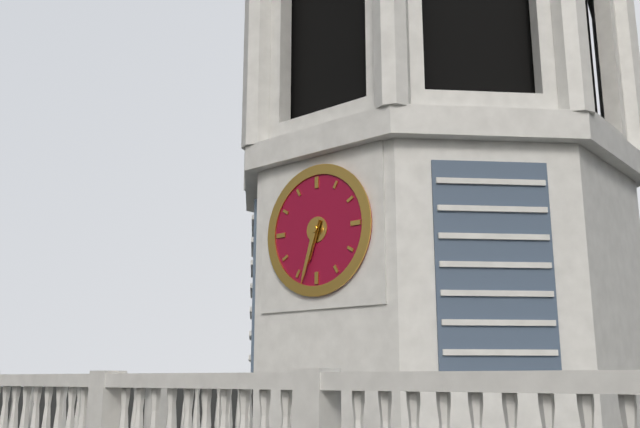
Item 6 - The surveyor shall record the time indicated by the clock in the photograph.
6:33
